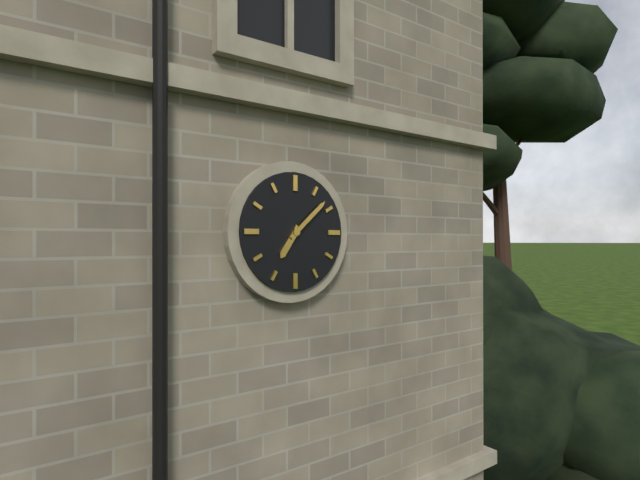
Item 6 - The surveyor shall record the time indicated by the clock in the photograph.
7:08
